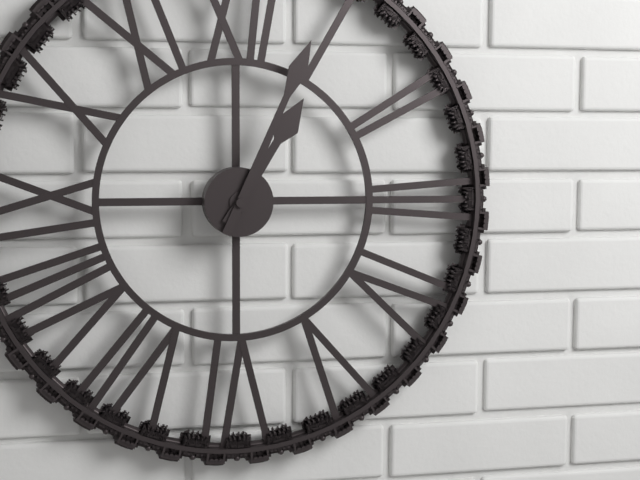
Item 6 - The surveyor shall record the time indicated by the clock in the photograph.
1:04
